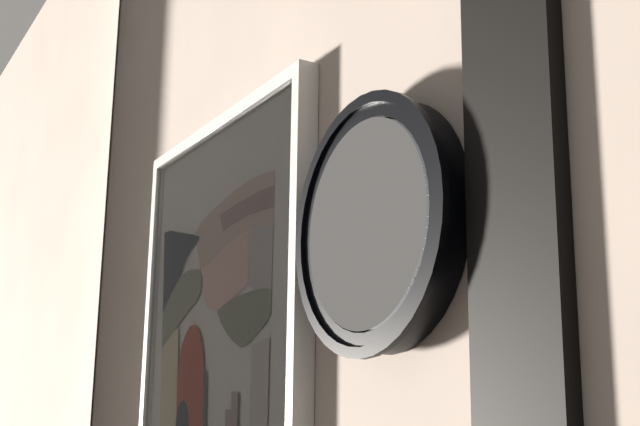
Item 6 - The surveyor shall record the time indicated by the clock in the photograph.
11:34:49
